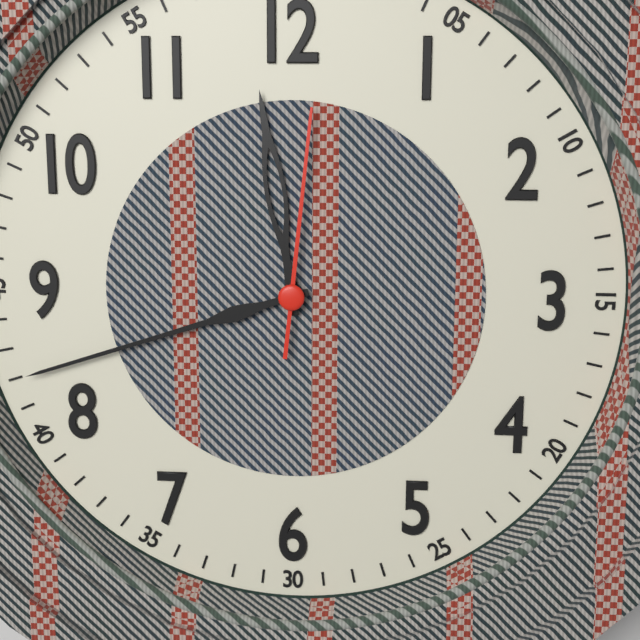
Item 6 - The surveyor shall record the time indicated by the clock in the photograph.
11:42:01
